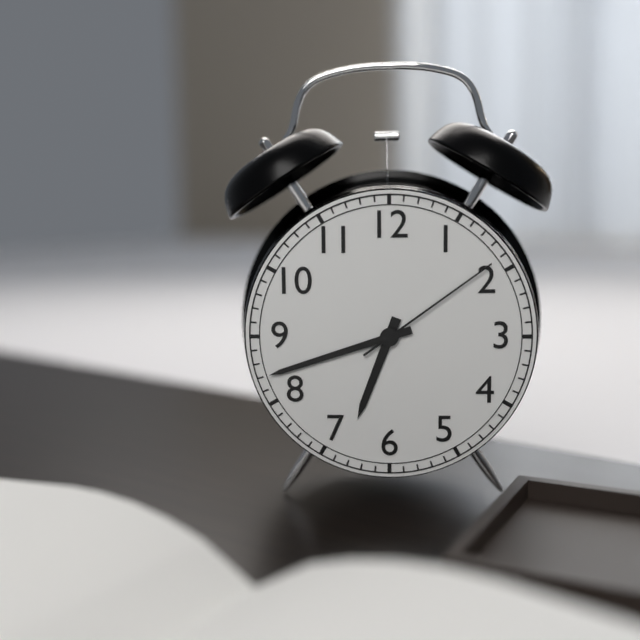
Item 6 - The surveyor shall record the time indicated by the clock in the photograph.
6:42:09
